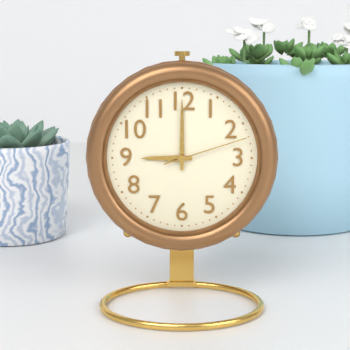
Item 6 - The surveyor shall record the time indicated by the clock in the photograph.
9:00:12
